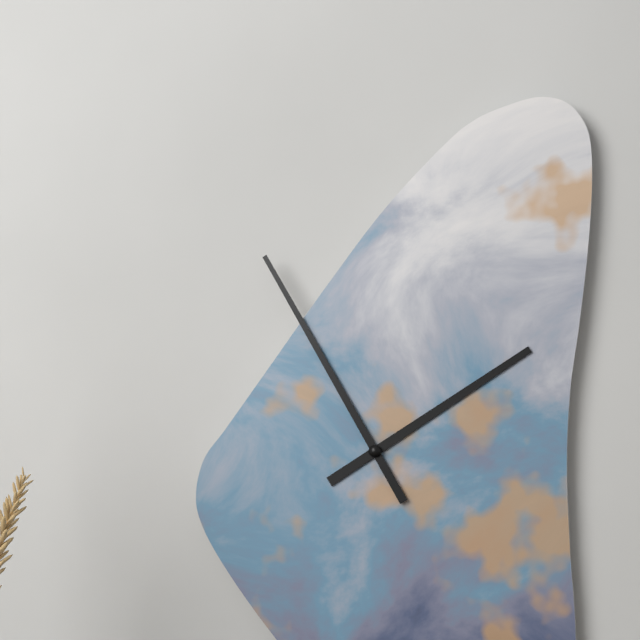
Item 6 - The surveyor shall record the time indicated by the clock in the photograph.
1:55
